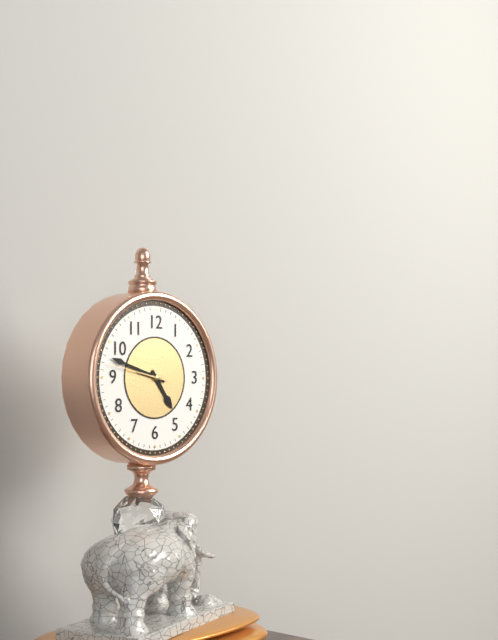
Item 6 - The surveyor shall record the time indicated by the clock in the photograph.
4:48:47
